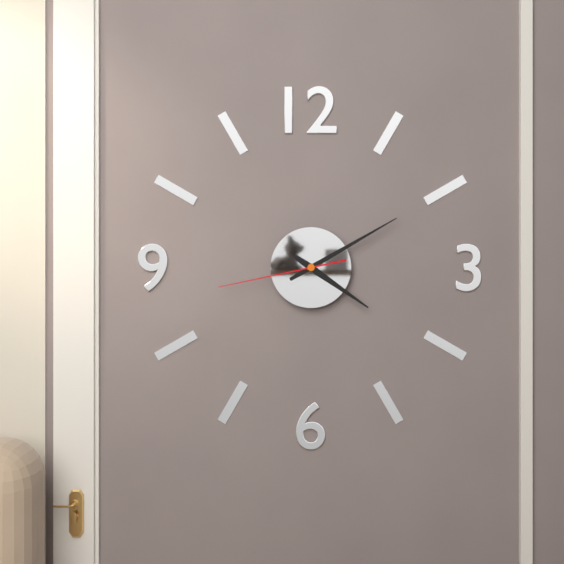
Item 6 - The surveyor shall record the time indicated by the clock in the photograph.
4:10:43
